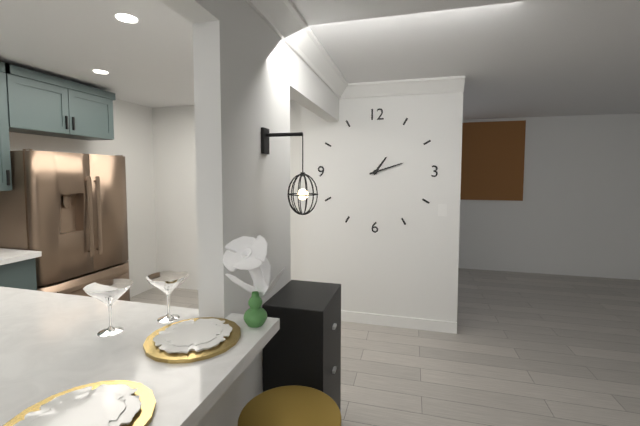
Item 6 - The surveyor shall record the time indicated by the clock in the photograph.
1:12
